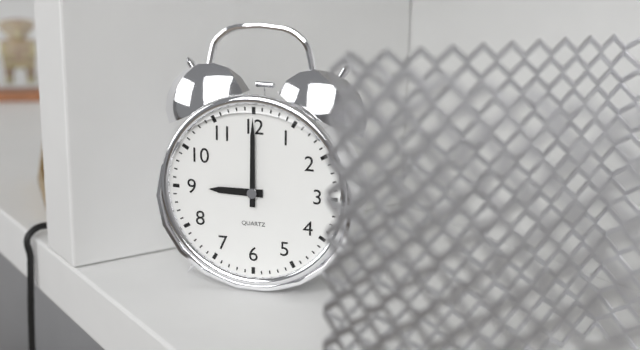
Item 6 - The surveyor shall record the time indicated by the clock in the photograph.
9:00
